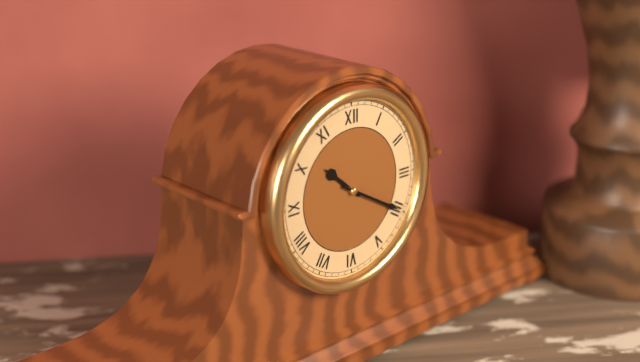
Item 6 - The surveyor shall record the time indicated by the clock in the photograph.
10:20
